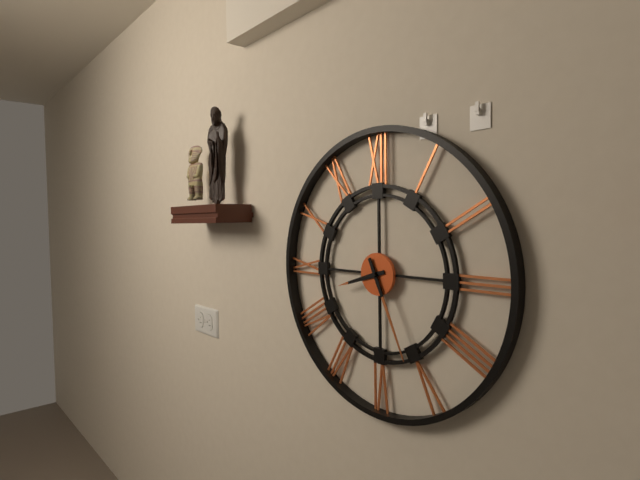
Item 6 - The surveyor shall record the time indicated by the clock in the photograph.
8:26
